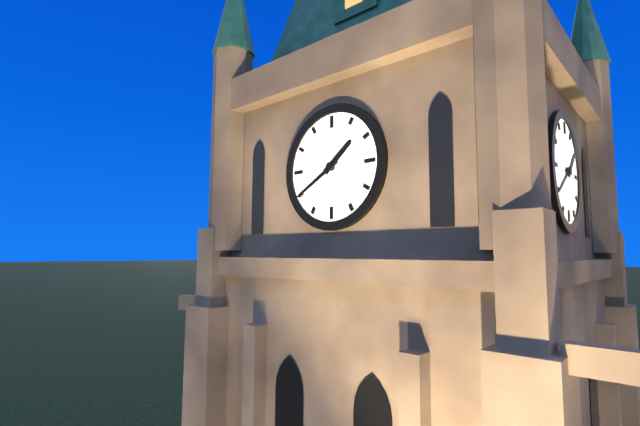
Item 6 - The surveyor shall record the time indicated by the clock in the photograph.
1:40
